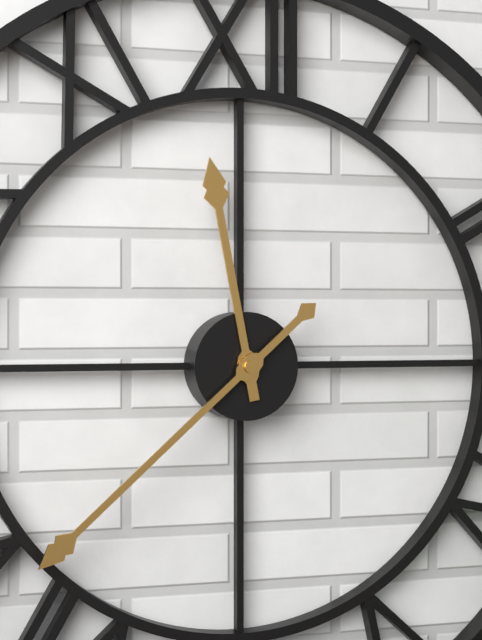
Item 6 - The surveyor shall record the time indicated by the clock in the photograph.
11:38
